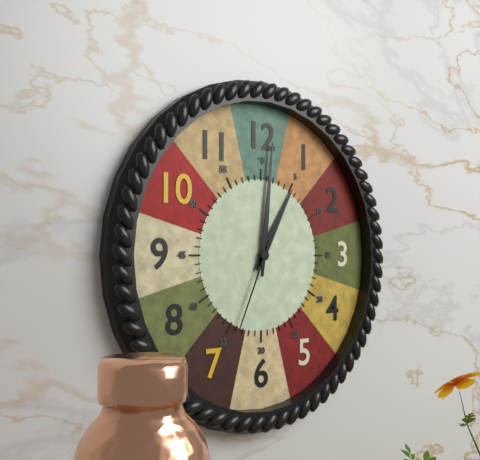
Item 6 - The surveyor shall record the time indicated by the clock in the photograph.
1:01:34
